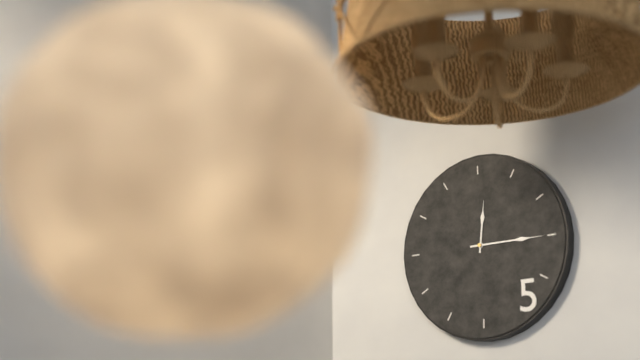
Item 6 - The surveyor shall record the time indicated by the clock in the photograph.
12:15
